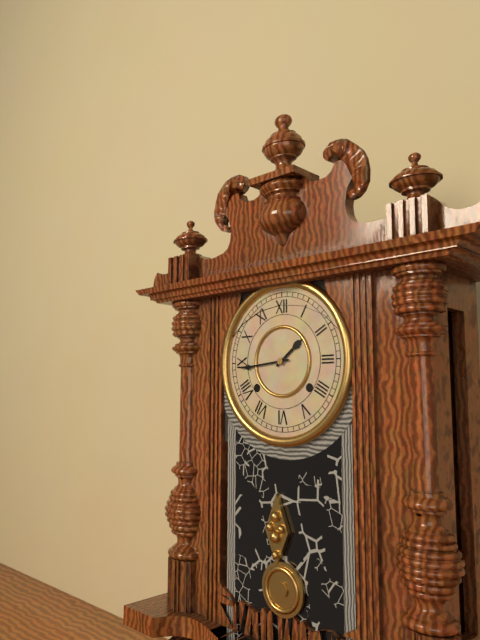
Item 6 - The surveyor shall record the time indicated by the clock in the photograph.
1:44
